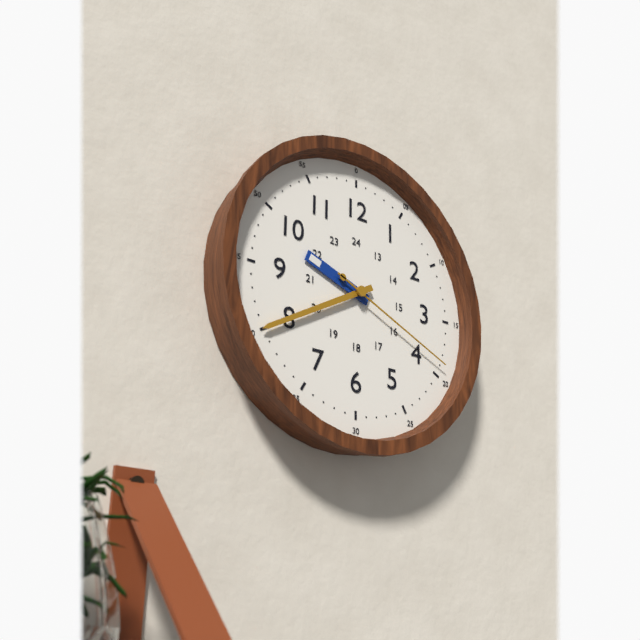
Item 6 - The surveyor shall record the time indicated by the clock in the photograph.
9:40:19
